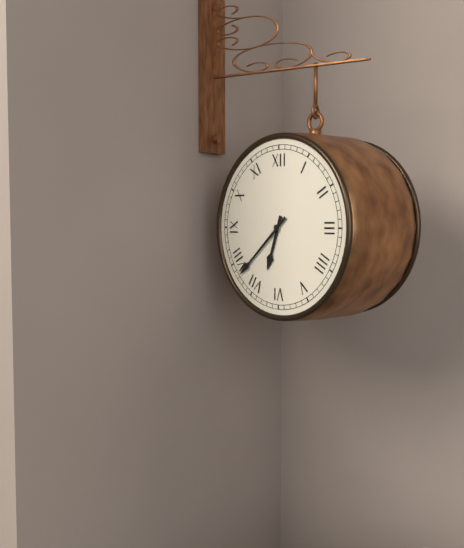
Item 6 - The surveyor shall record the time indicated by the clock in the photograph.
6:38
